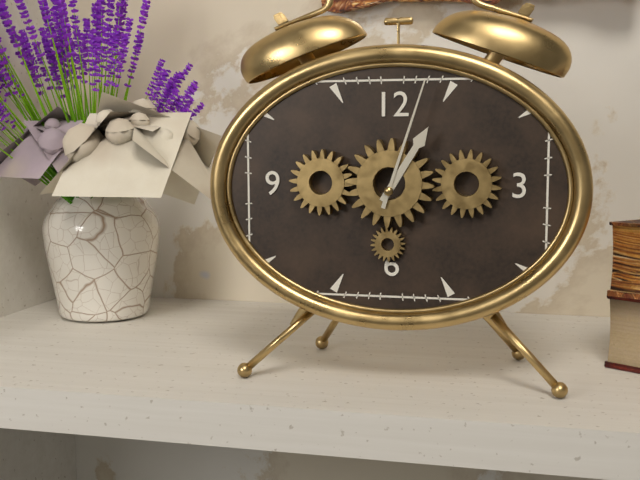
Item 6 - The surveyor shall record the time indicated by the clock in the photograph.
1:03
